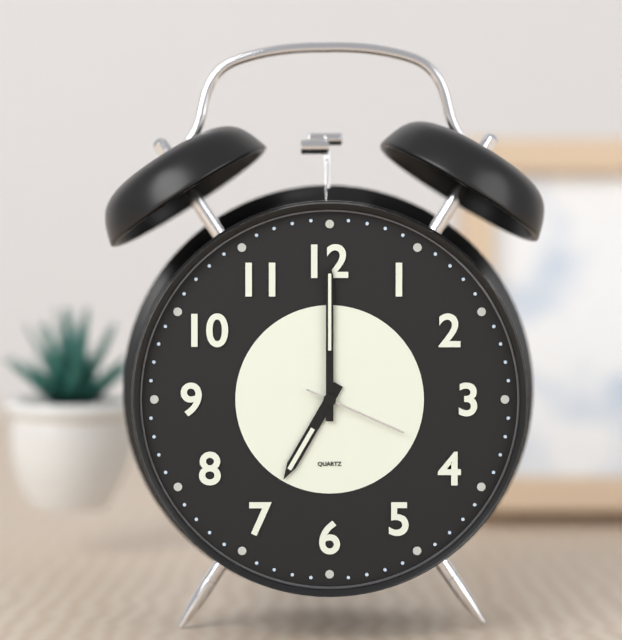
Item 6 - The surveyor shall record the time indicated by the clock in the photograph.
7:00:19
